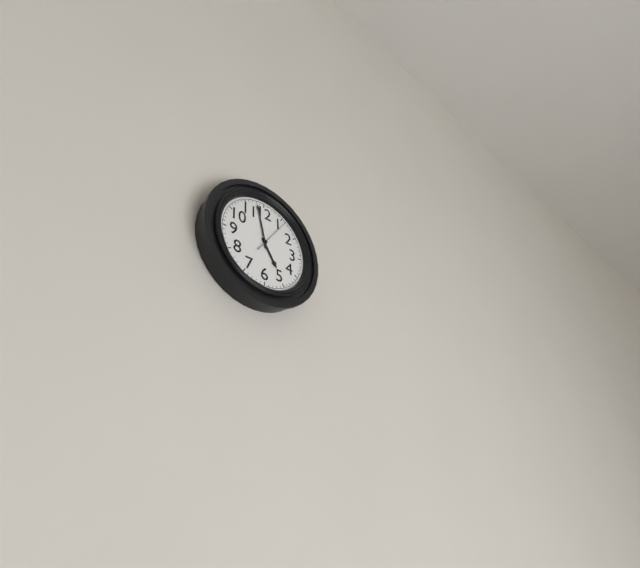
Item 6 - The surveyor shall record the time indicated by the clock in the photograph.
4:58
